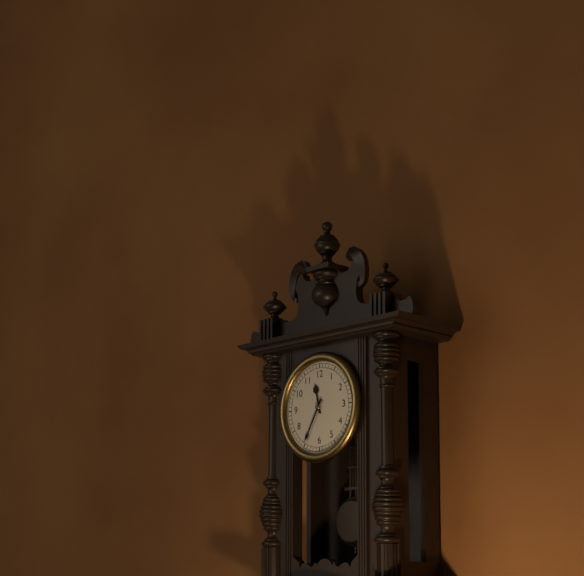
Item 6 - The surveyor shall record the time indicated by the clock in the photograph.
11:35
